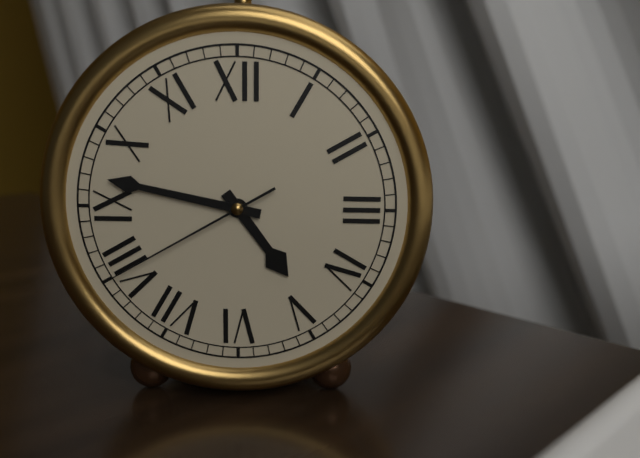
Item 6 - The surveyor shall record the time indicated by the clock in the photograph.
4:47:40
